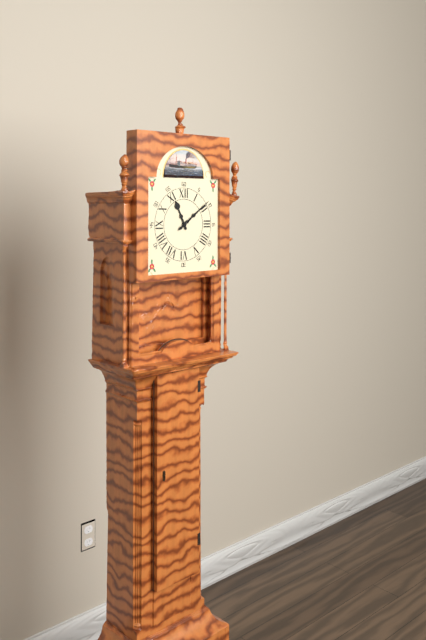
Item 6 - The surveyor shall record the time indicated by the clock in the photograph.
11:09
